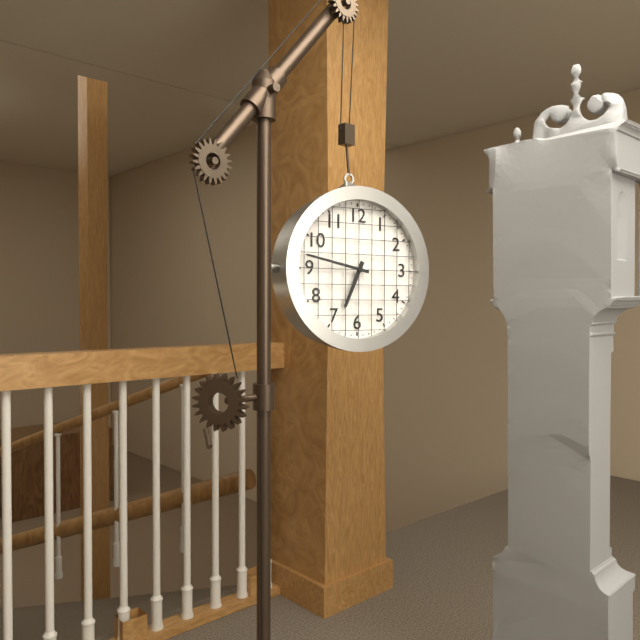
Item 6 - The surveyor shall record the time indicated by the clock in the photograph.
6:47
